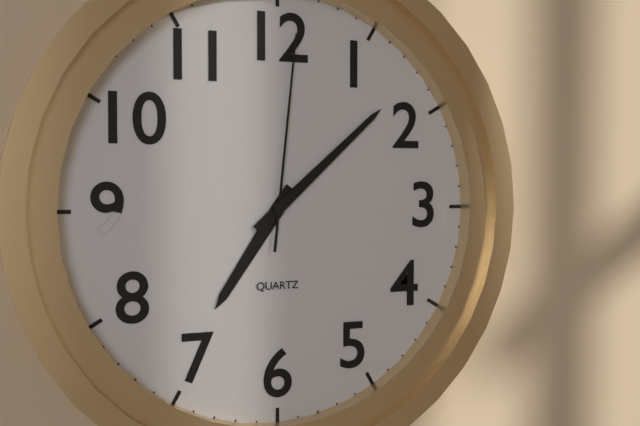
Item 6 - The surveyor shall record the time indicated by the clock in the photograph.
7:08:01
